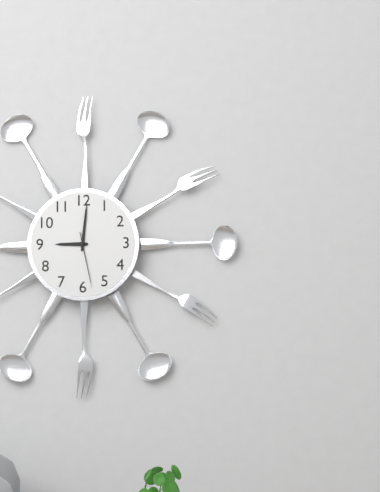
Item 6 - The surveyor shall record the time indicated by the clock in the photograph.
9:01:28
